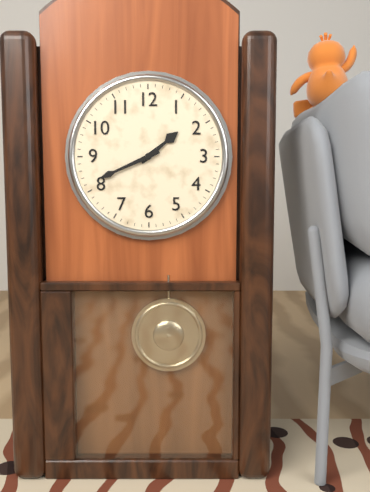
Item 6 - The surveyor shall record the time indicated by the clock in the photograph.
1:41
